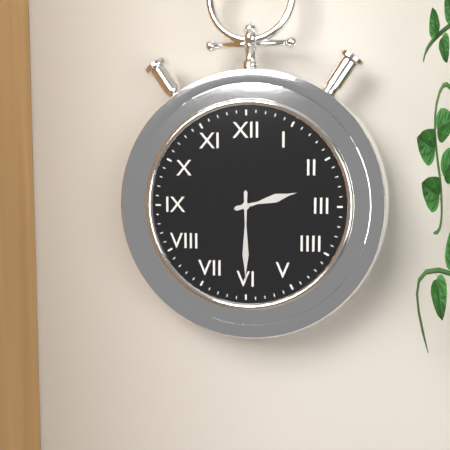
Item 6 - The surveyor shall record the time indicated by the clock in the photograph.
2:30
